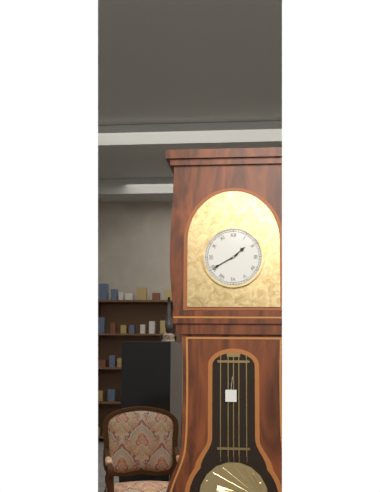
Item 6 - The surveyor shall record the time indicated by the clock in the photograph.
1:40
